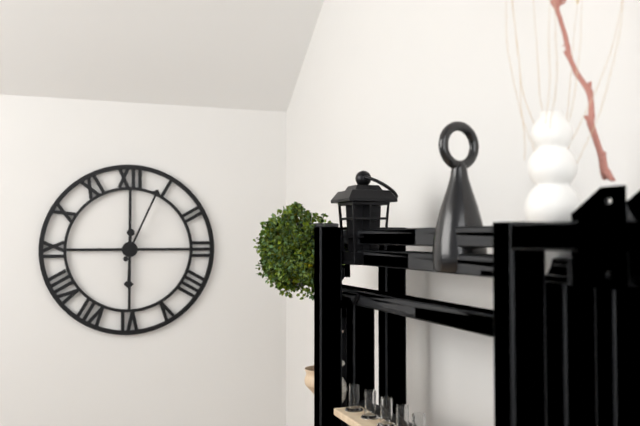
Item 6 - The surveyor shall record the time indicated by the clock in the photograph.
6:04
